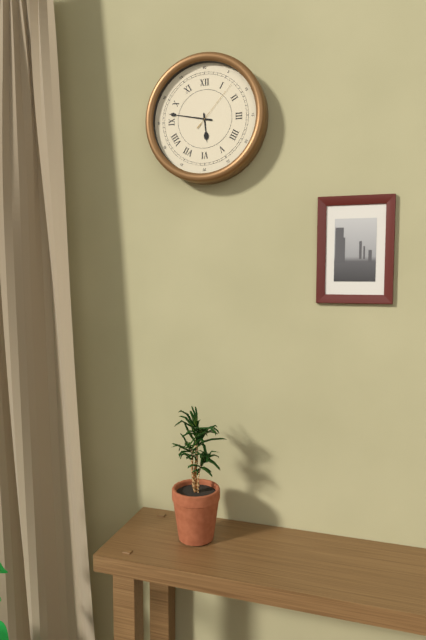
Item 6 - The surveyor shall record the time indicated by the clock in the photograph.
5:47:07
